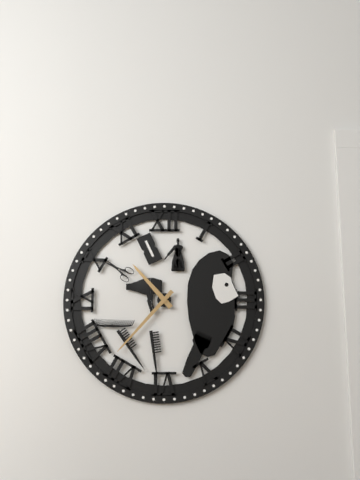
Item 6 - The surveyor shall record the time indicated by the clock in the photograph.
10:37
